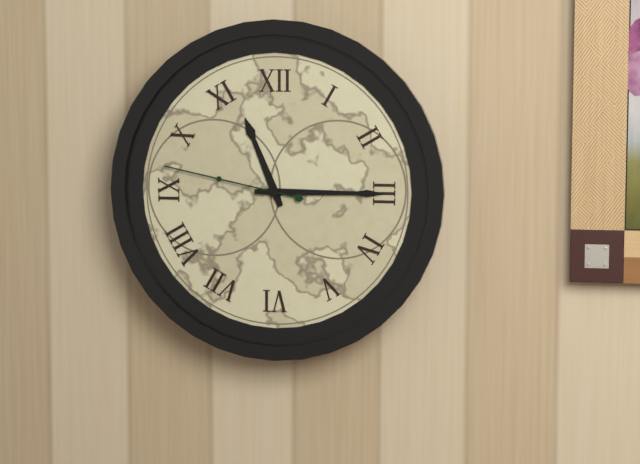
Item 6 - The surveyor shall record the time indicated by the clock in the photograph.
11:15:47
